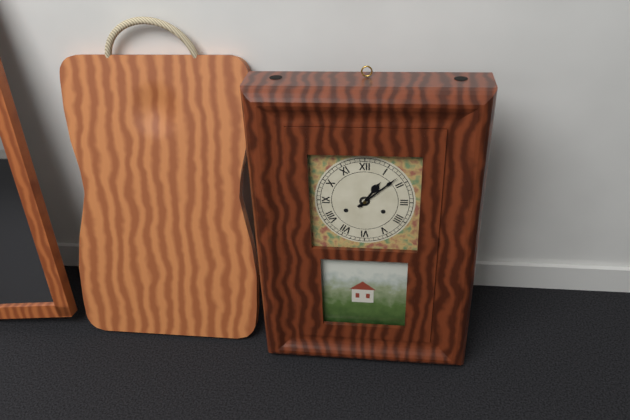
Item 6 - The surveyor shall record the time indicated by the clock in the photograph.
1:08
